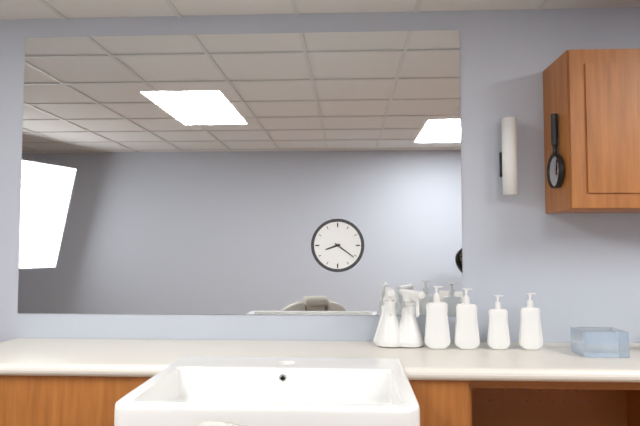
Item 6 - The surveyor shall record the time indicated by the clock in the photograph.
8:21
